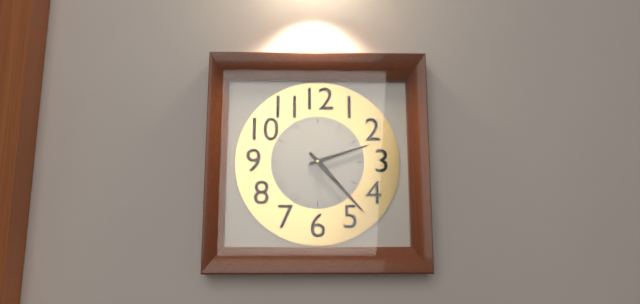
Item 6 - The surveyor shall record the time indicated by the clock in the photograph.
2:23
